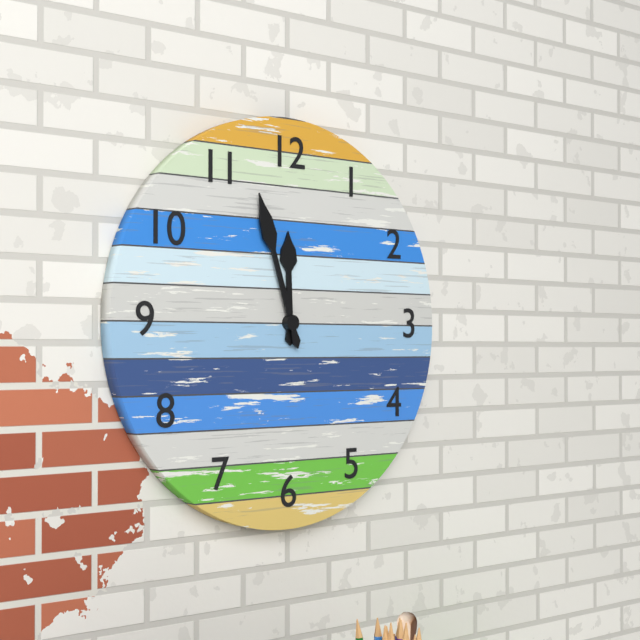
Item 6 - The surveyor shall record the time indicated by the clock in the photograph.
11:57
